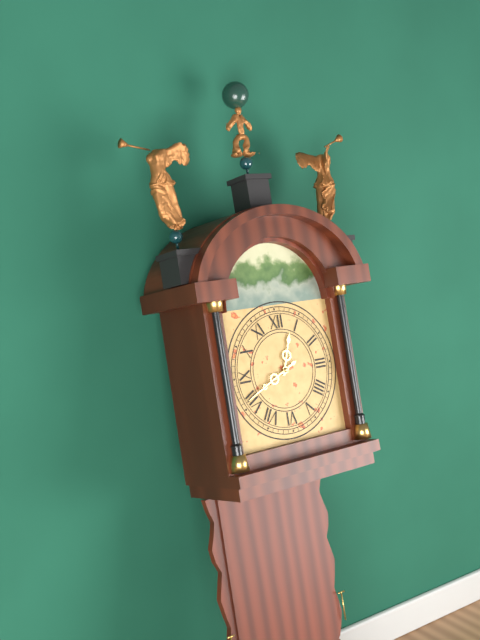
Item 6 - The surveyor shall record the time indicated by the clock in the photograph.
12:41
